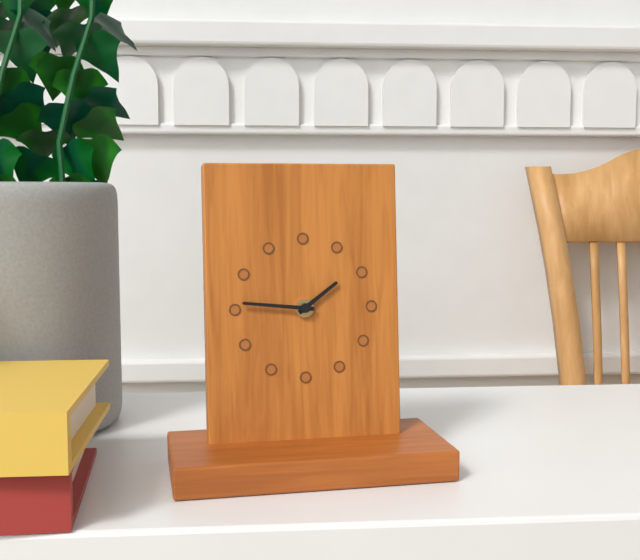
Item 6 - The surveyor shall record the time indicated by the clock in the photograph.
1:46
